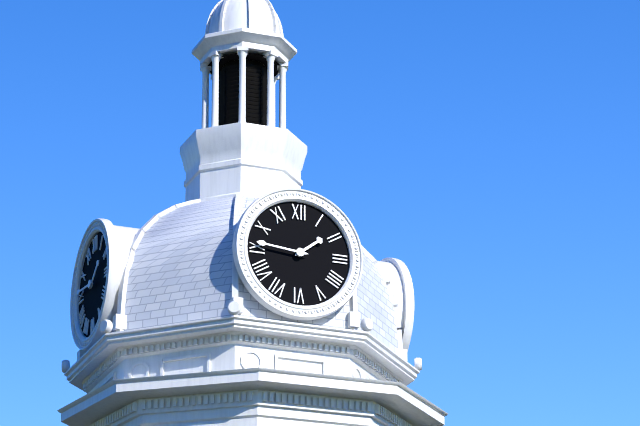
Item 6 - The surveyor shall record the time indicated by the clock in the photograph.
1:46
